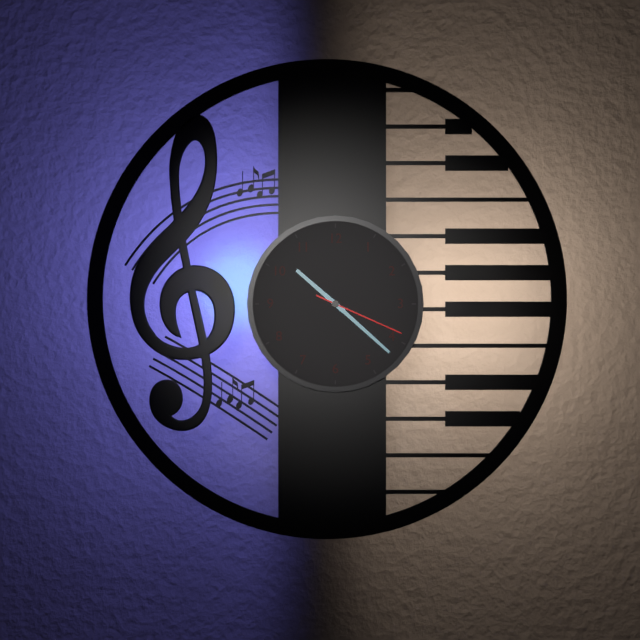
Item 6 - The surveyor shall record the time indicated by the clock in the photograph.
10:22:19
